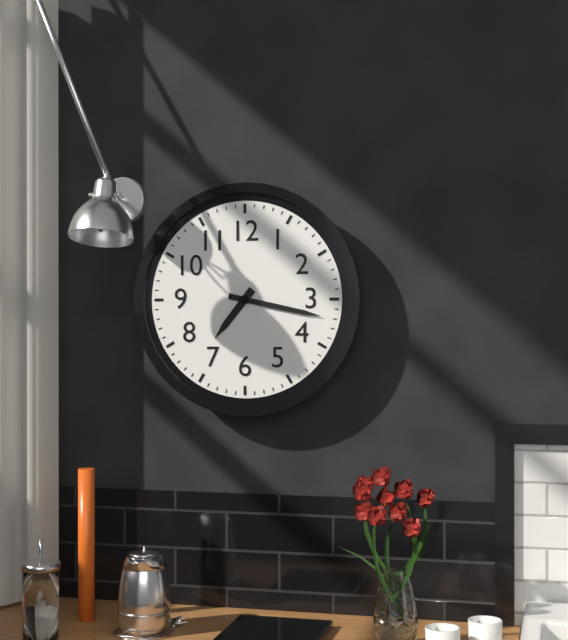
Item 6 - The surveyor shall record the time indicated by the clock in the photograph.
7:17
